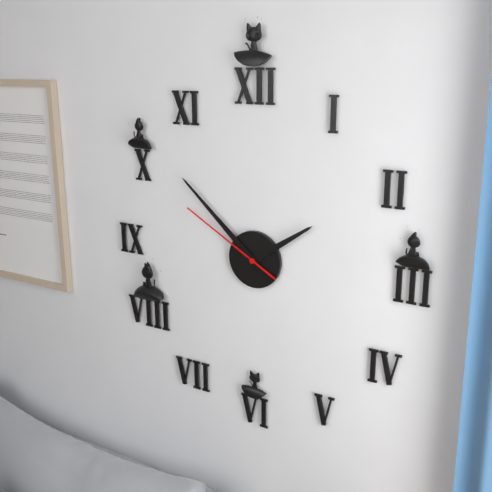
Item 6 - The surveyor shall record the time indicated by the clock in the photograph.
1:52:50
